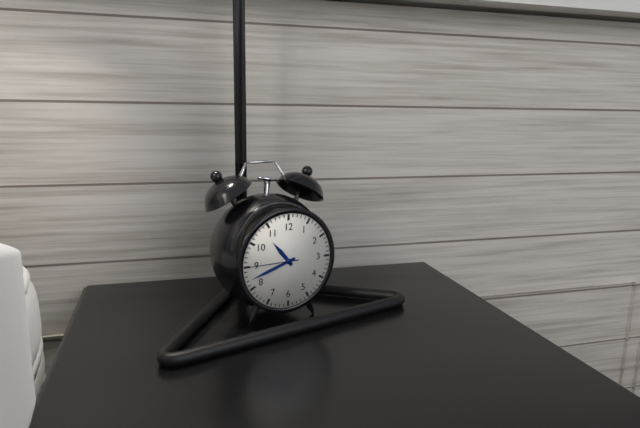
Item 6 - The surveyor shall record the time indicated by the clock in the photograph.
10:42:45
